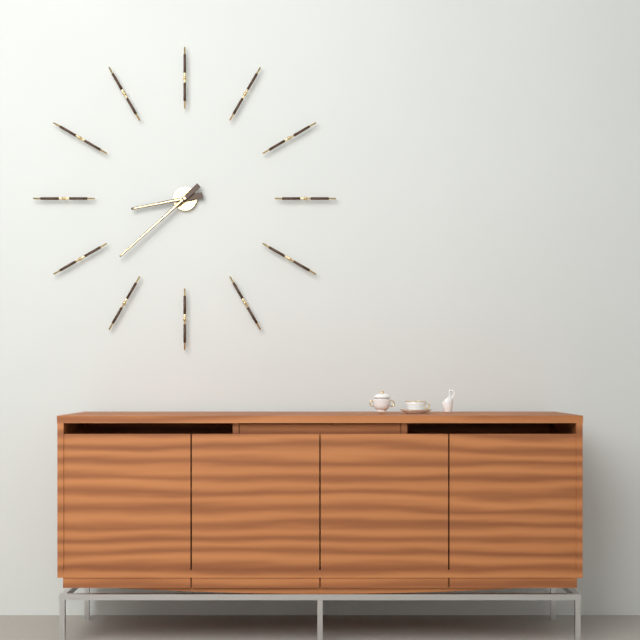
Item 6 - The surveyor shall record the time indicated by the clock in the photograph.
8:38
